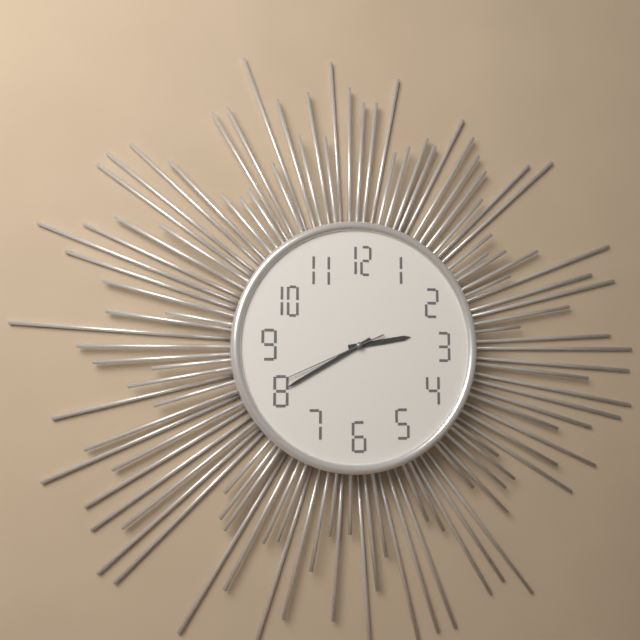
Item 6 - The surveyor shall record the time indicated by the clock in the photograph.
2:40:41
